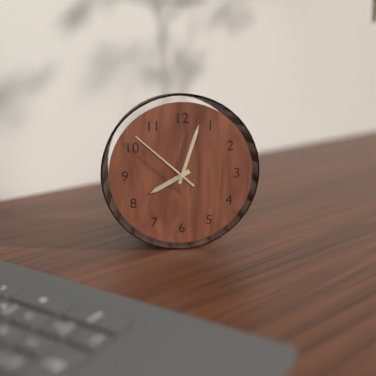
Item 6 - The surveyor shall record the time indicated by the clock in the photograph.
8:03:52
